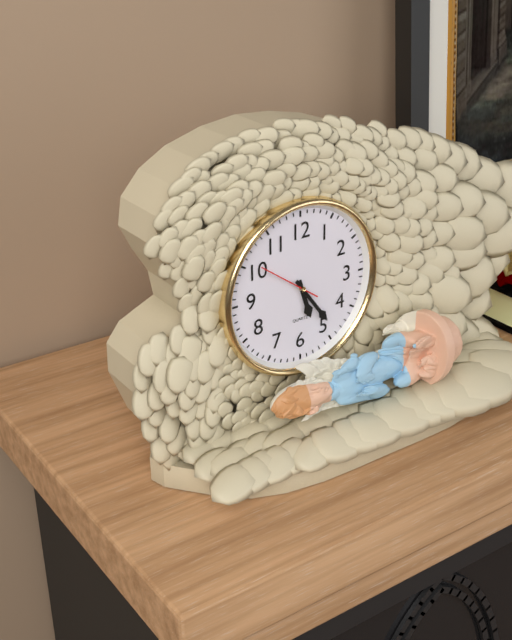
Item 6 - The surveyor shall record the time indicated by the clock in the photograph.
5:24:51
